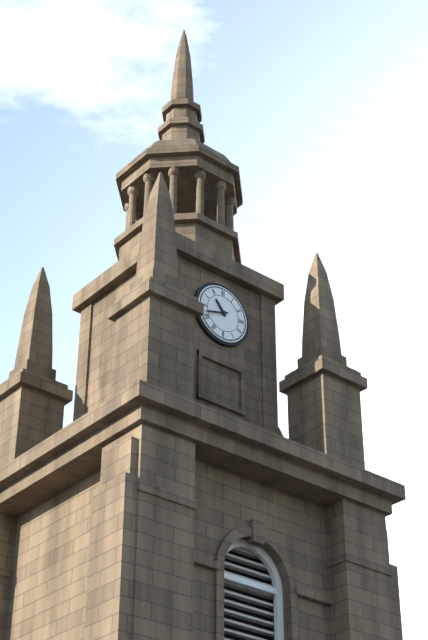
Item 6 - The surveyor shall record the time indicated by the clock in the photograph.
10:42
